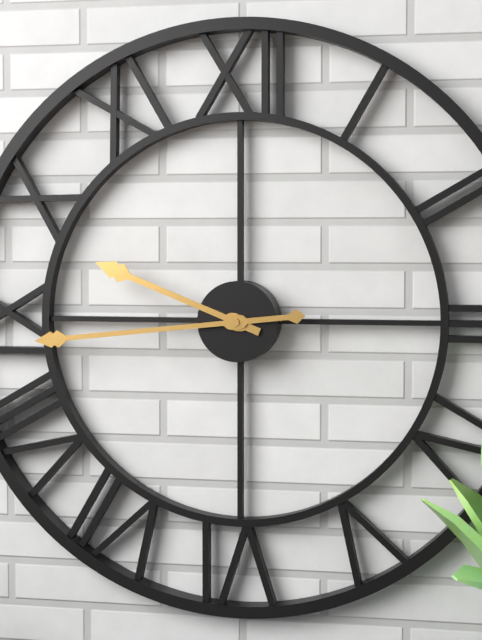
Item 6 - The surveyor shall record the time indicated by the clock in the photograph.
9:44
